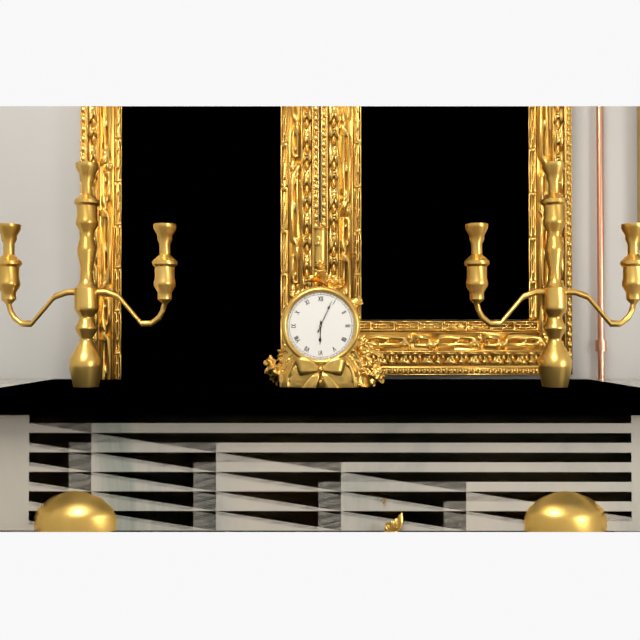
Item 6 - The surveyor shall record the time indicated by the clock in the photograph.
6:04
